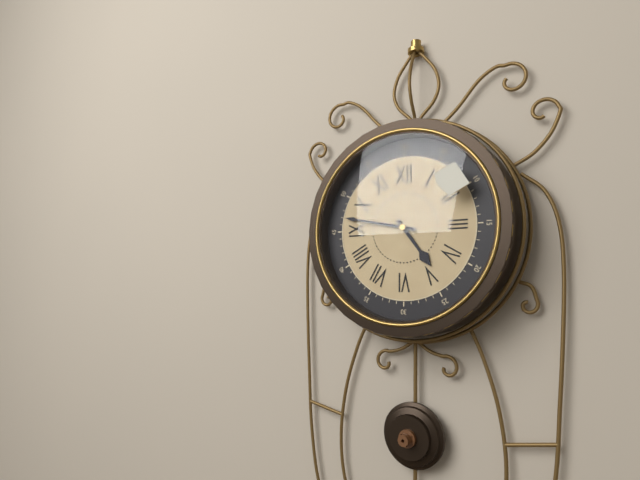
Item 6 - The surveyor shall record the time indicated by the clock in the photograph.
4:47
